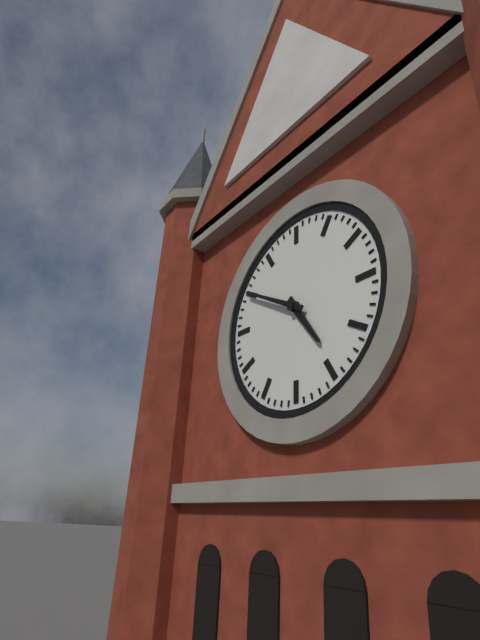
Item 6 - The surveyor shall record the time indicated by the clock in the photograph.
4:50
